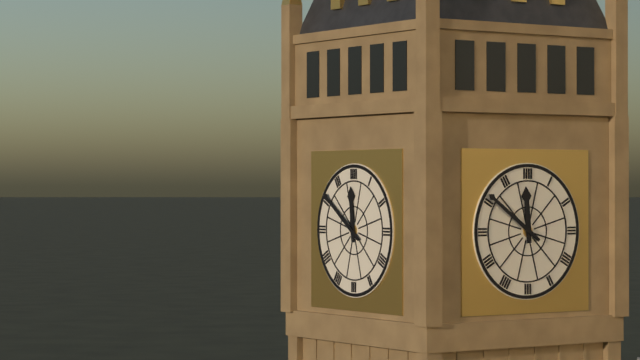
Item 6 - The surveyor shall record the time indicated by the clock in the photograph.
11:51
